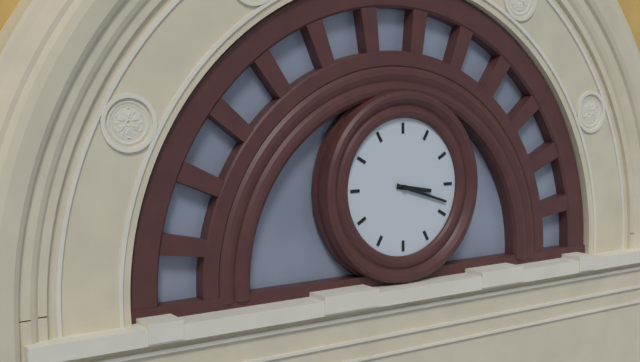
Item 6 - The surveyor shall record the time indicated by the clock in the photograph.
3:18
